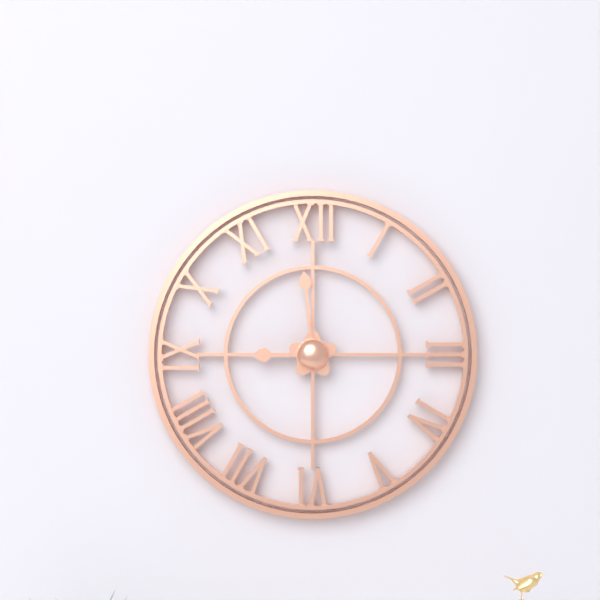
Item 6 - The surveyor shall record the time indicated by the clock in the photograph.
8:59
